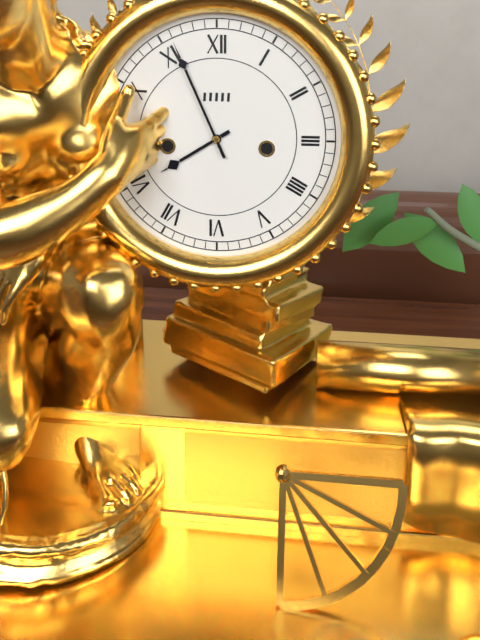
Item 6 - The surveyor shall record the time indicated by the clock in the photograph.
7:56
